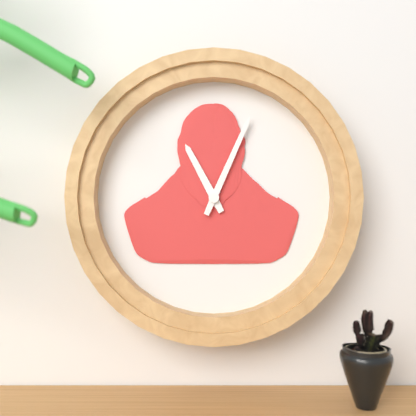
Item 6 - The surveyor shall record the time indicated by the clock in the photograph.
11:04
